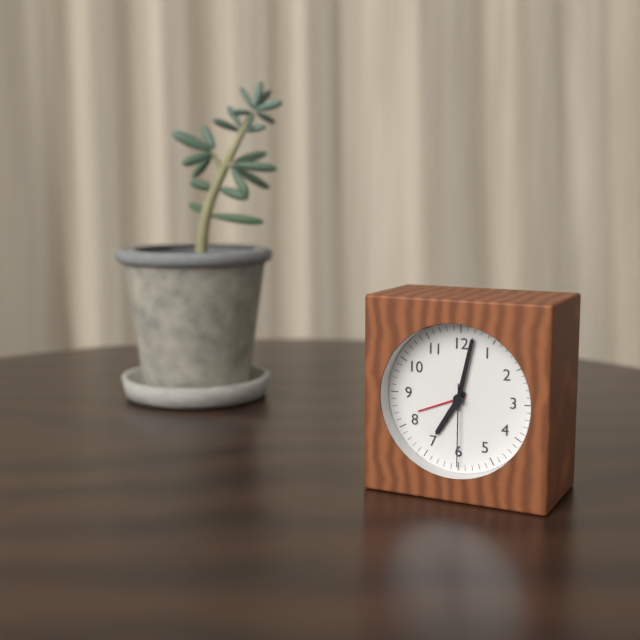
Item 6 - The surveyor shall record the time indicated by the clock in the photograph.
7:02:30
